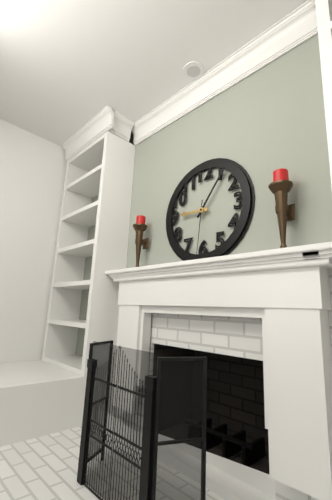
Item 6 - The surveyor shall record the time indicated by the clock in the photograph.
9:06:31
